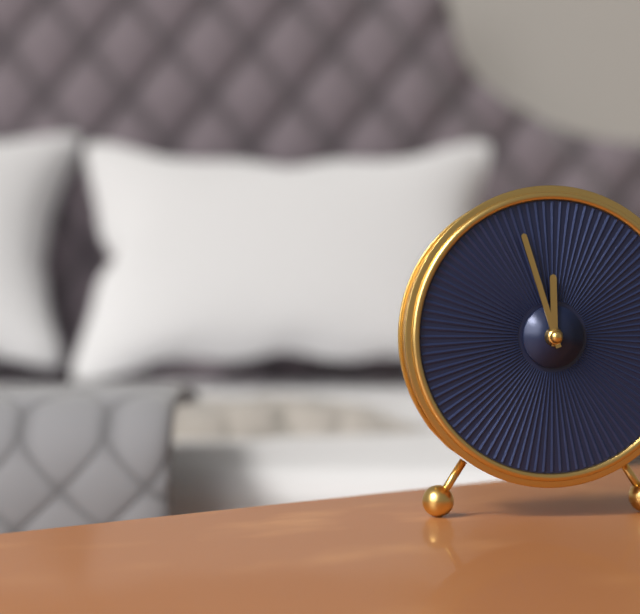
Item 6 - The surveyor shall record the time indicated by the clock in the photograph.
11:57
